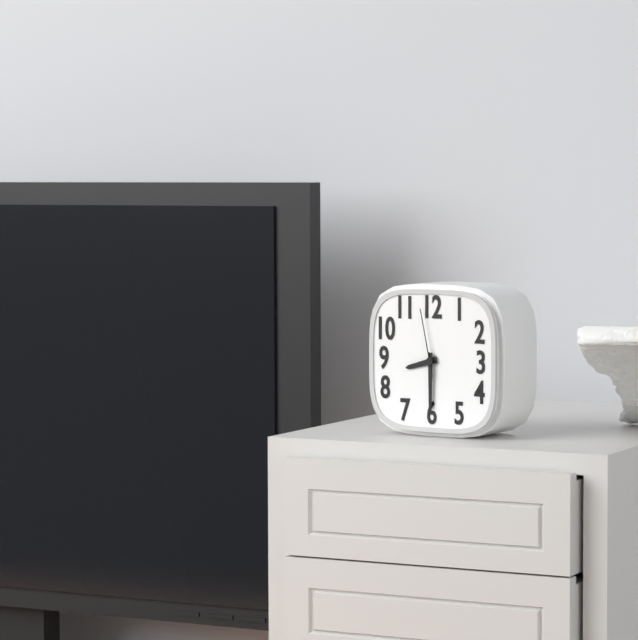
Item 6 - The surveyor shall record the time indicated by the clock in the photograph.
8:30:58
